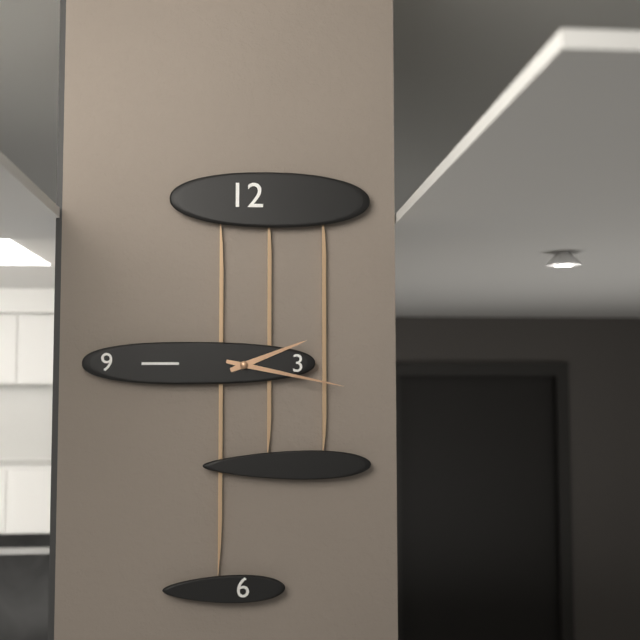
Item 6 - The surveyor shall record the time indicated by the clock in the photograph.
2:17
